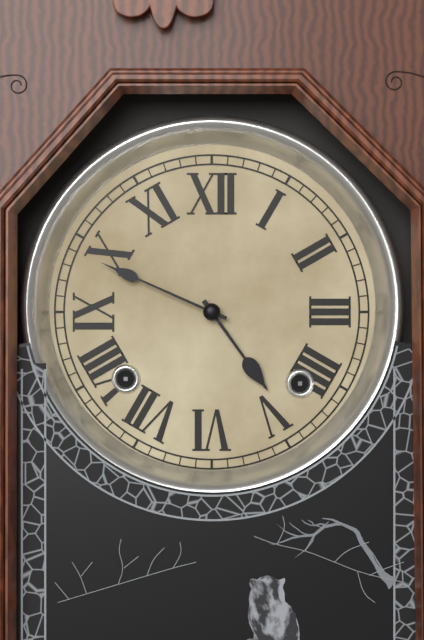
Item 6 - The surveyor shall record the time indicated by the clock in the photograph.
4:49
